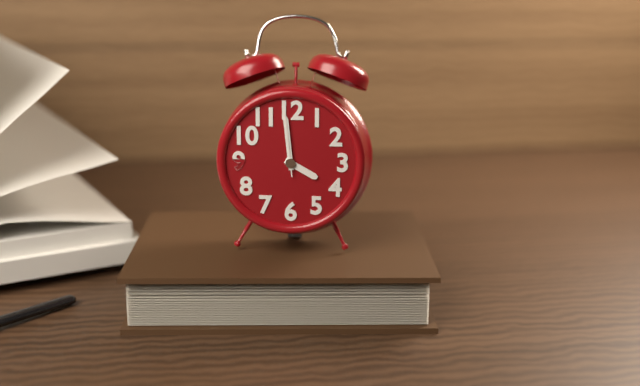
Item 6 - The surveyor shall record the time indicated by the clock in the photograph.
3:59:59
